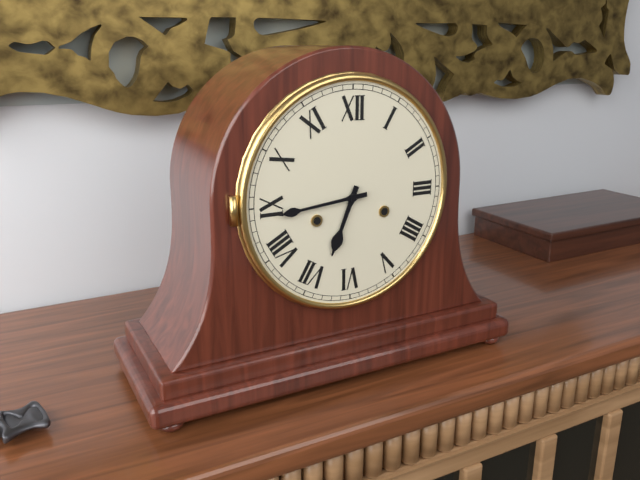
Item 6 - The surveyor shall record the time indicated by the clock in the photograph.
6:44
